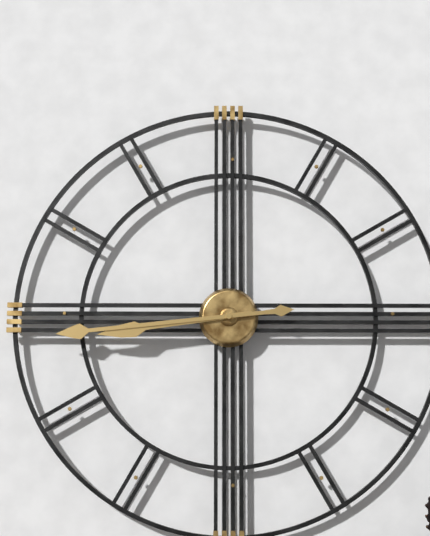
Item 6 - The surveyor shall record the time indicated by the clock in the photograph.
8:44
